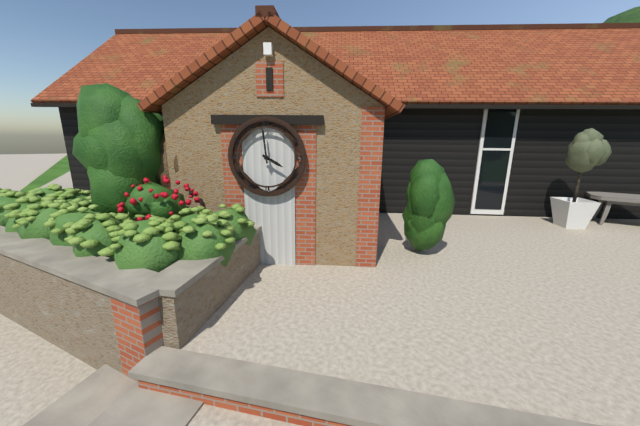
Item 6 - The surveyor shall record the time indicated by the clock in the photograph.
3:59
